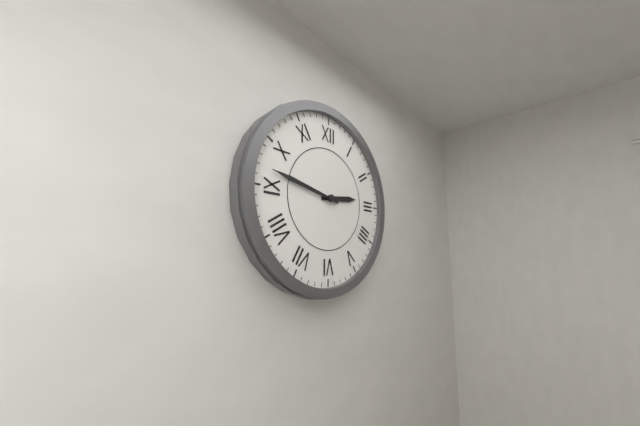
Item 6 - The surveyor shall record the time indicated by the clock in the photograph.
2:47
